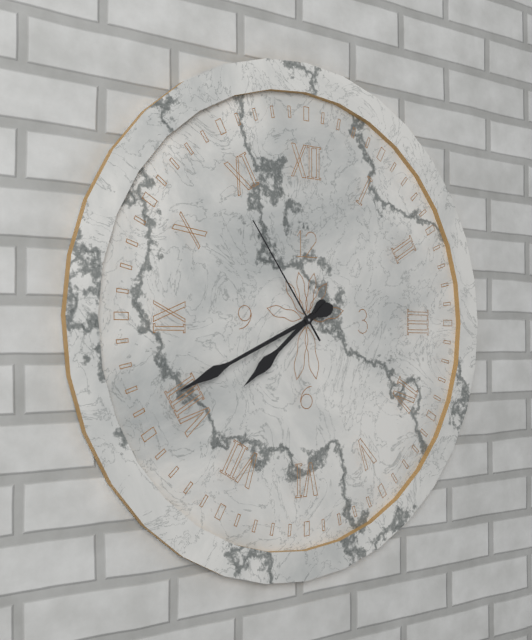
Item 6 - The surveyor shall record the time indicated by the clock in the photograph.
7:41:54
